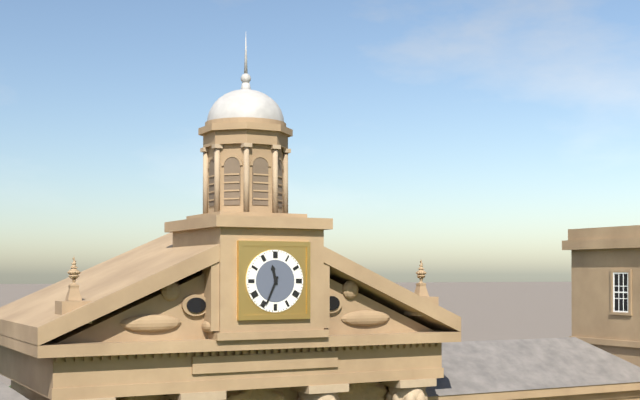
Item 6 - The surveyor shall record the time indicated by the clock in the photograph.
11:34
